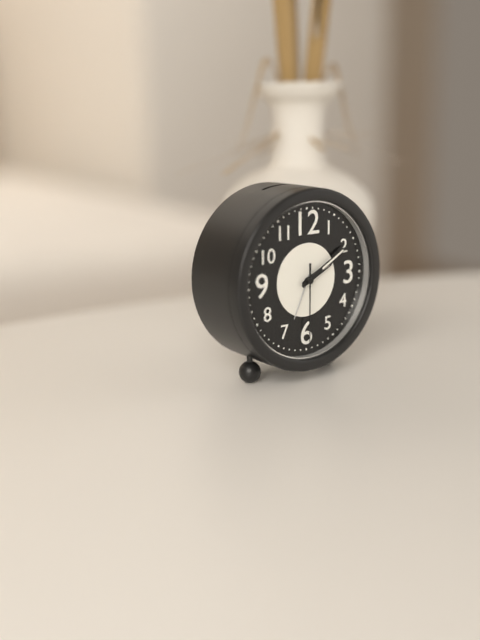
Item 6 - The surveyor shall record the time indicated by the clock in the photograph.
2:10:30
